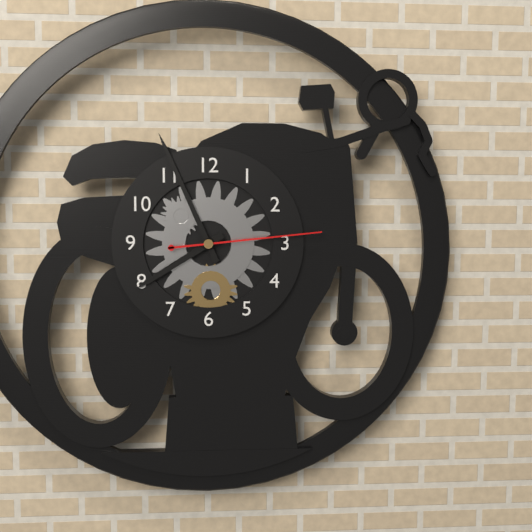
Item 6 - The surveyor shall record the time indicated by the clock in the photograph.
7:56:14
